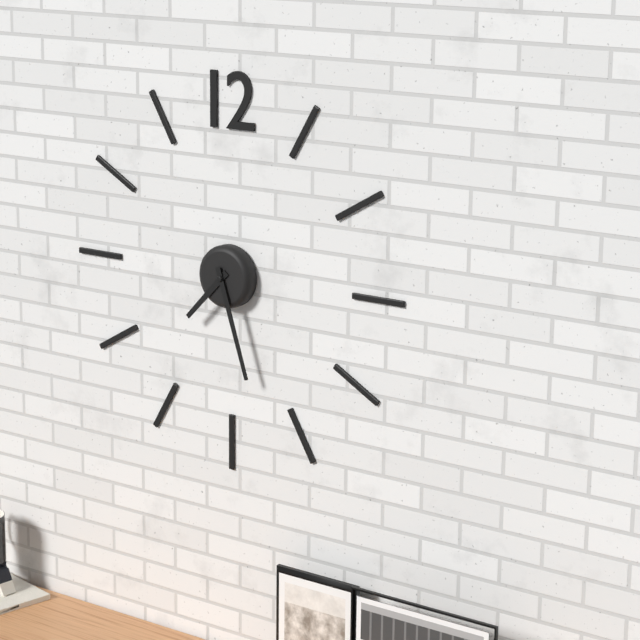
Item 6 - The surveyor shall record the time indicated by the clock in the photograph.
7:27
